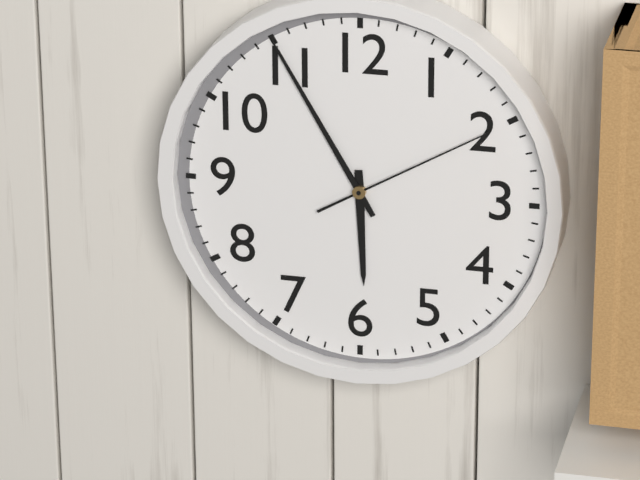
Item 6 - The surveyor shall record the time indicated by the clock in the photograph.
5:55:10
